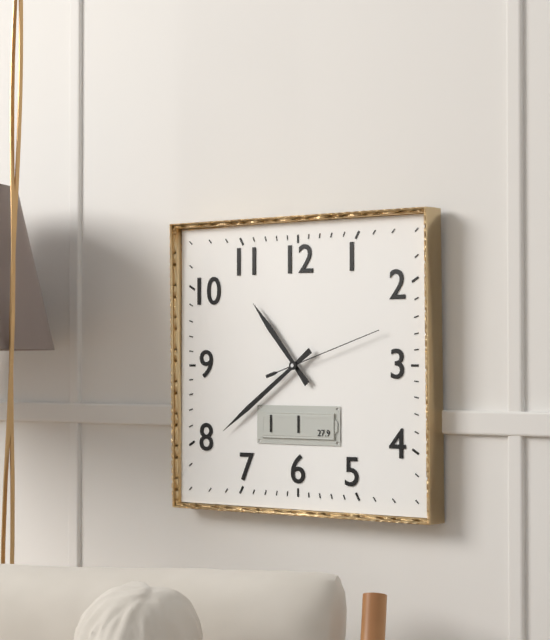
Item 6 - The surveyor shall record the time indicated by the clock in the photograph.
10:39:12
